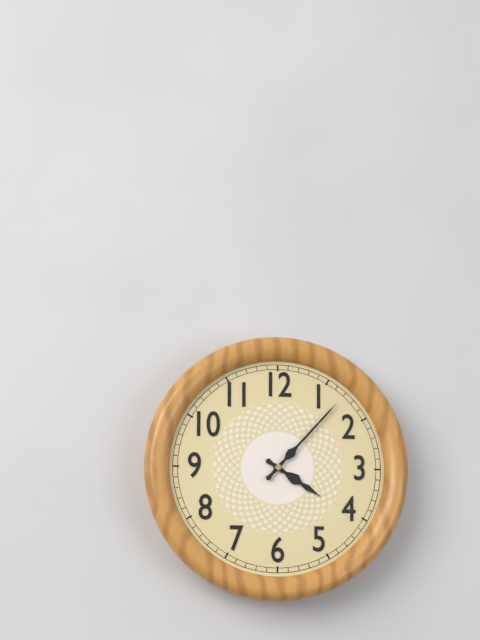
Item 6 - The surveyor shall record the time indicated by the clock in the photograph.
4:07
